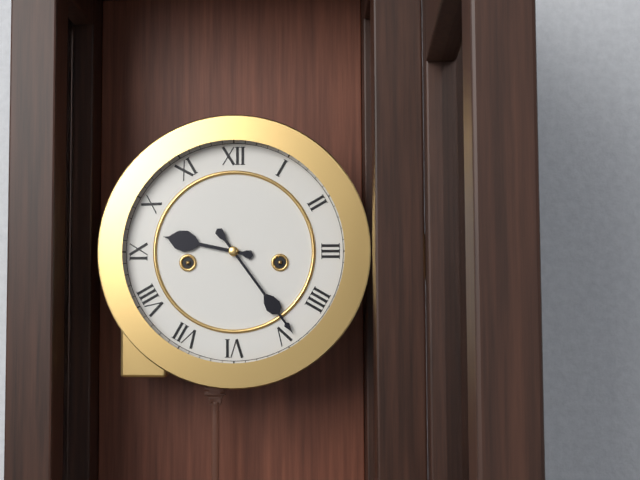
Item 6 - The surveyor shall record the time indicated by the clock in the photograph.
9:24
